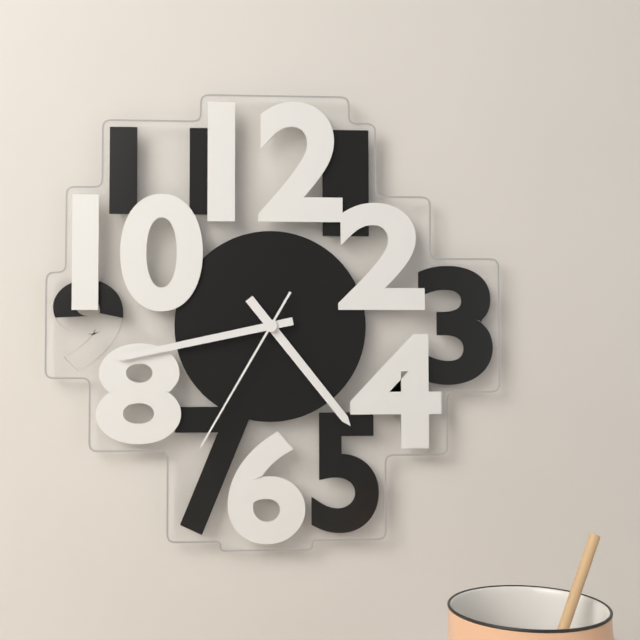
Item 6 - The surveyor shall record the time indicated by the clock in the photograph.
4:43:35
